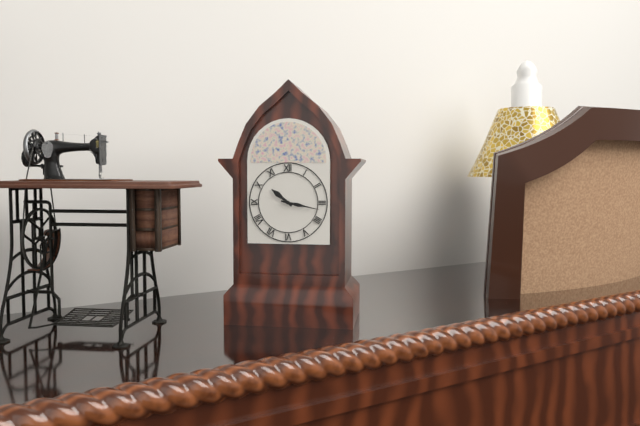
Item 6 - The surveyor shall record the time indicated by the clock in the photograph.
10:17
